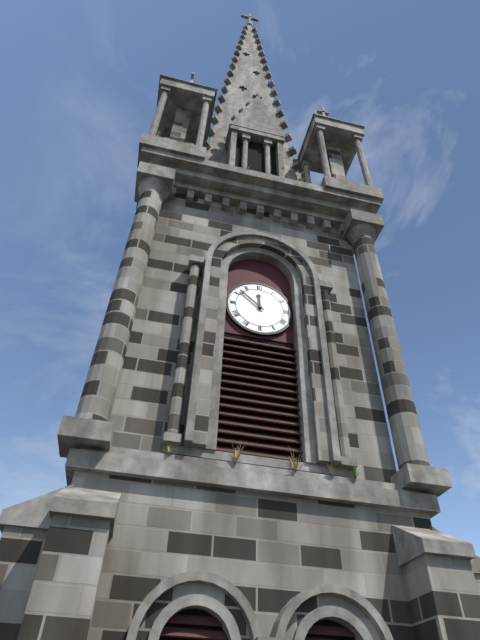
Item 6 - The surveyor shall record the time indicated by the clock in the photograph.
11:52
